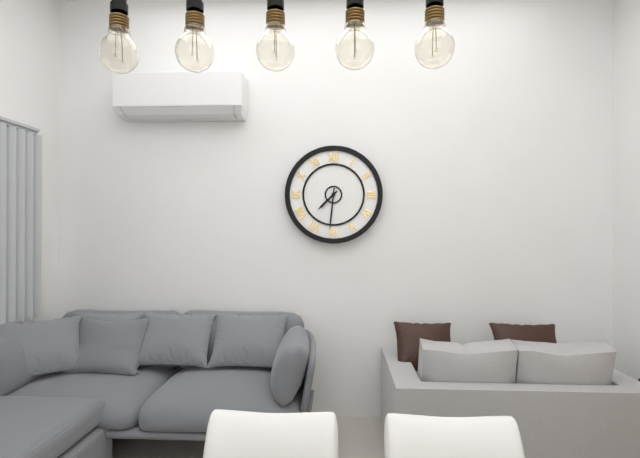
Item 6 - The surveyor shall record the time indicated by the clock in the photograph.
7:31
